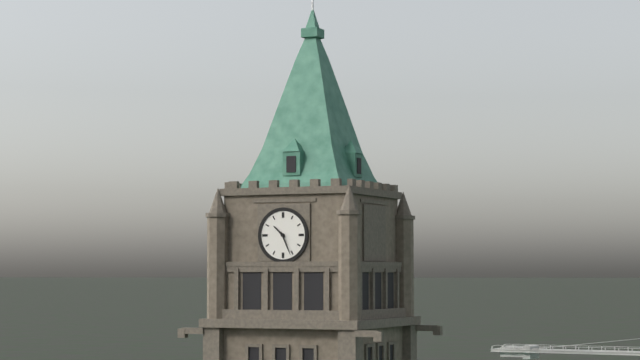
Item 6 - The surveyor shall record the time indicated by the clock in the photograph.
10:26
